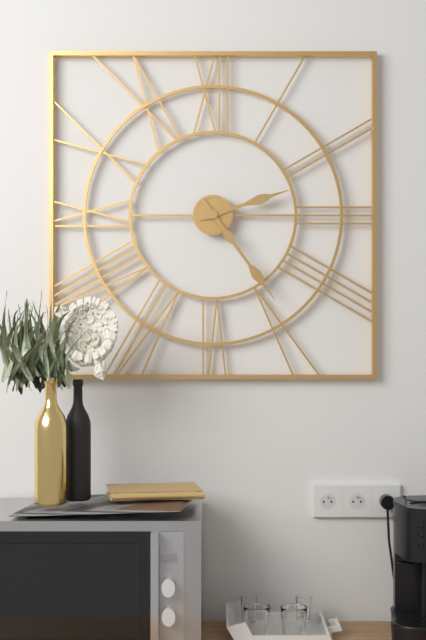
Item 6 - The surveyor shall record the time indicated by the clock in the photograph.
2:24
